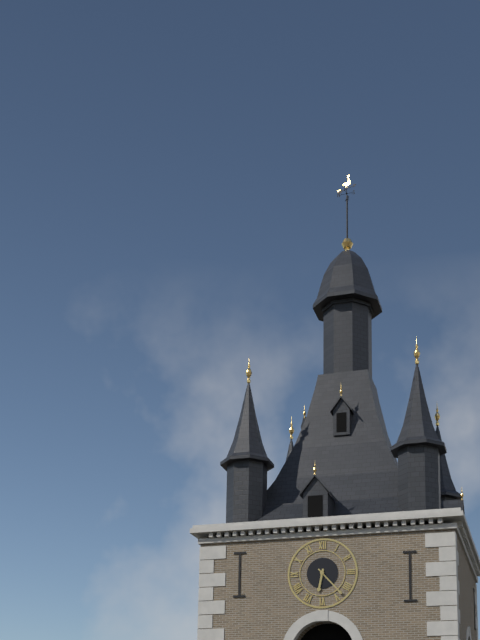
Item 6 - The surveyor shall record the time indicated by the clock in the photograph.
6:23
